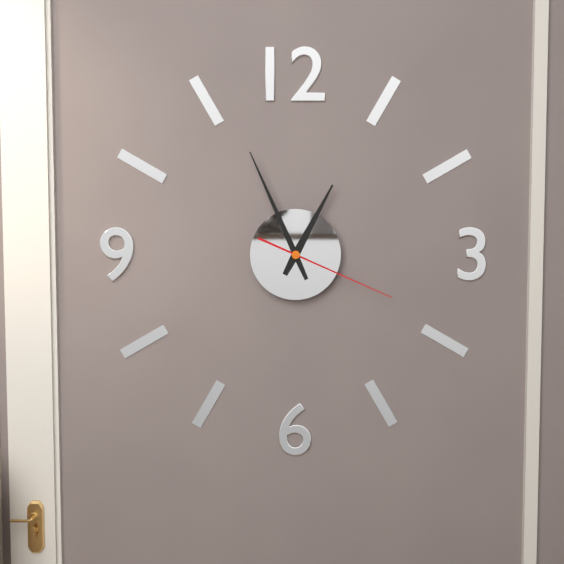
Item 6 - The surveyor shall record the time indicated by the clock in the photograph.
12:56:19
